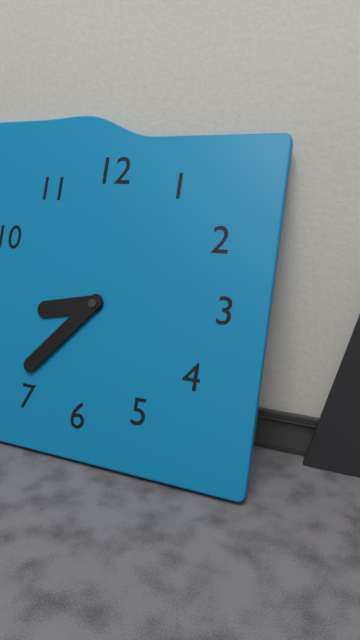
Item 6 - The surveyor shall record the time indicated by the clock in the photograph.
8:37
